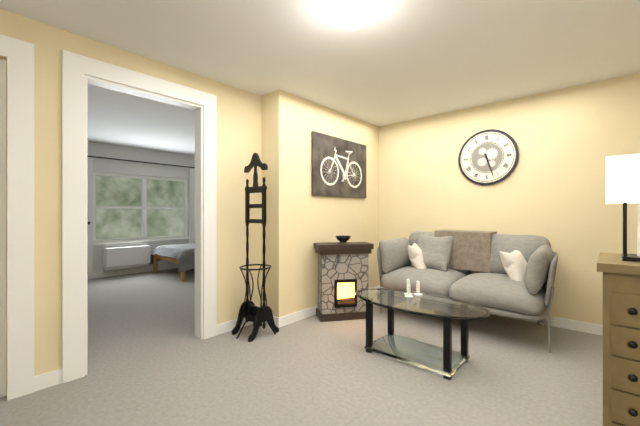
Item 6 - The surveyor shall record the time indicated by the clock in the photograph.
5:27
